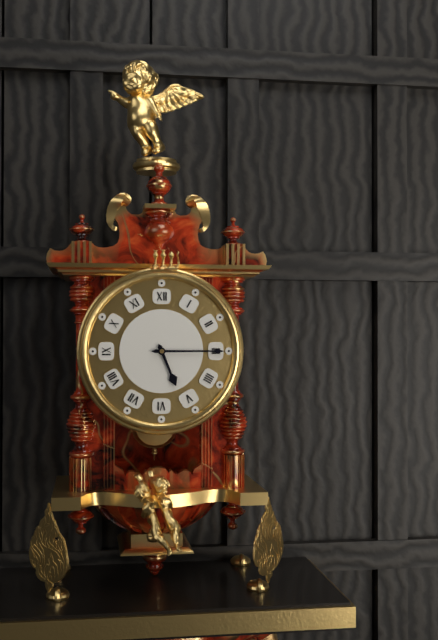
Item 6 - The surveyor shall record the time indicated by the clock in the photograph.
5:15
